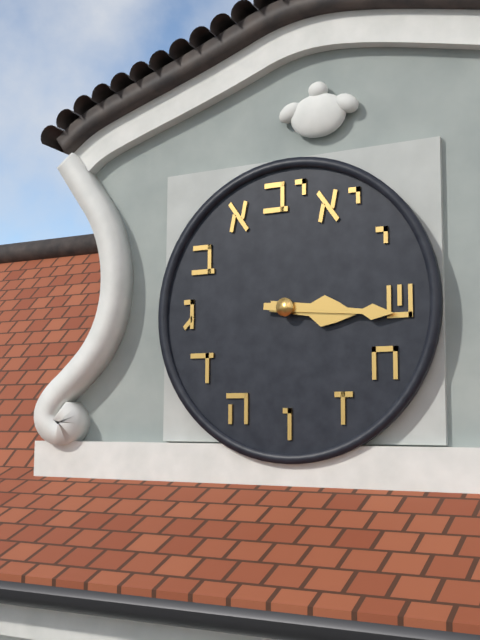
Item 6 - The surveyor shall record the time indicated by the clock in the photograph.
3:16
